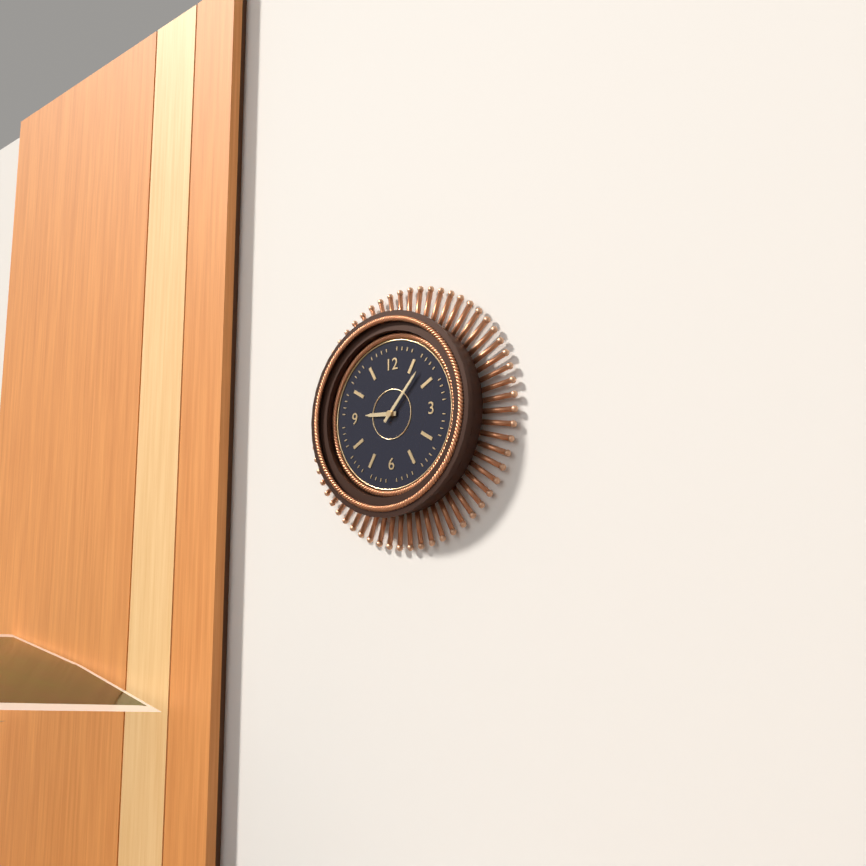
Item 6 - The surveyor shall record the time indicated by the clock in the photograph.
9:07
